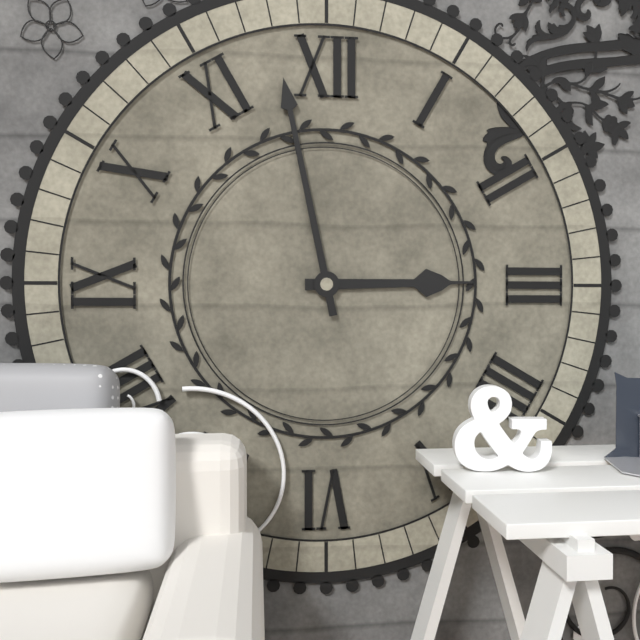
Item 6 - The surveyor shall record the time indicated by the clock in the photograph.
2:58
